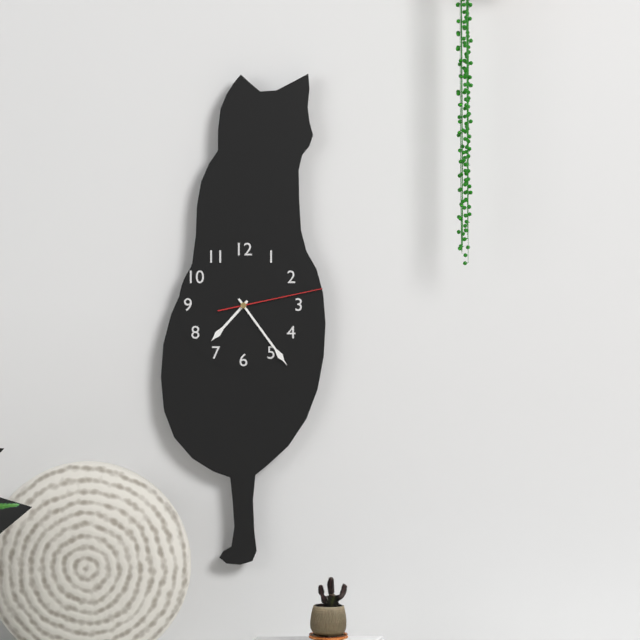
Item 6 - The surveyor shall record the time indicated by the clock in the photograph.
7:24:13
